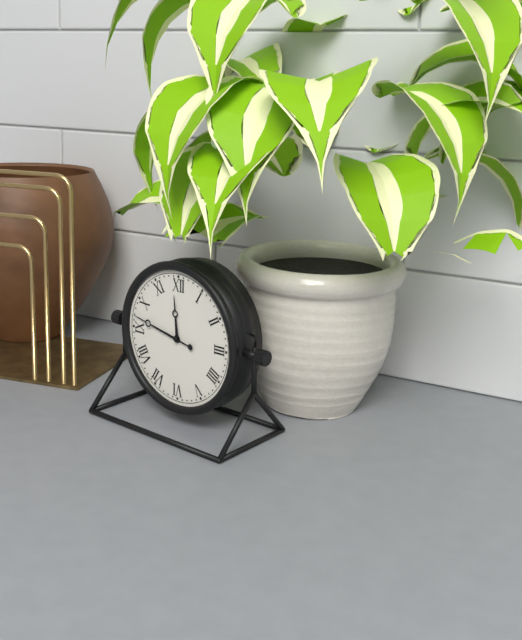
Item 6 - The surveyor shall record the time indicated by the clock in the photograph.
11:47
